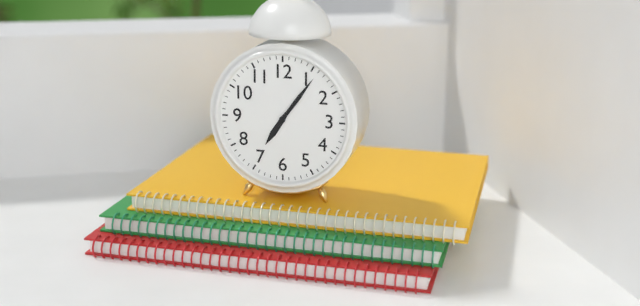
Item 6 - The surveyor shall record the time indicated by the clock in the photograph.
7:06
